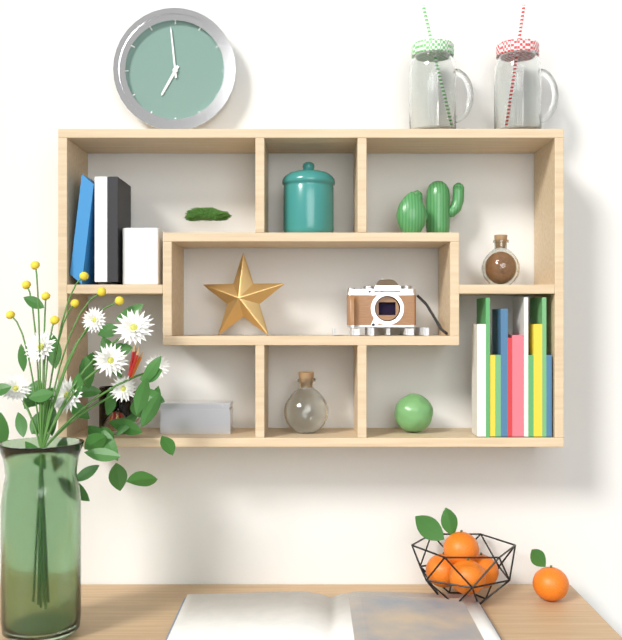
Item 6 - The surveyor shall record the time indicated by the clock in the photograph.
6:59
